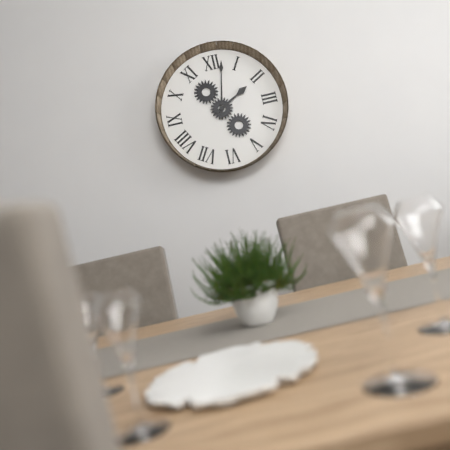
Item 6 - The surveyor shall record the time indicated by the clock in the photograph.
2:02
